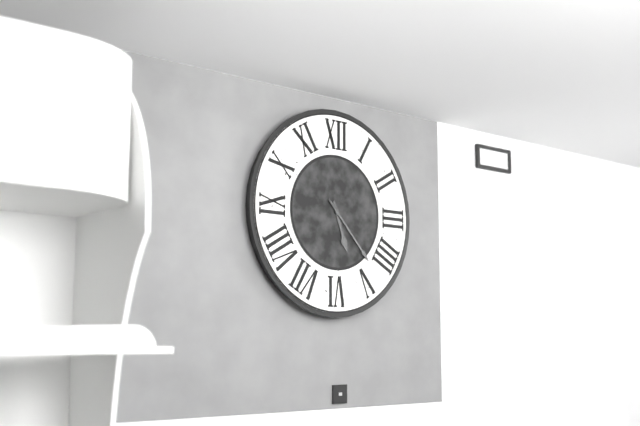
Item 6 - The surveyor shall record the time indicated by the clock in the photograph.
5:23
